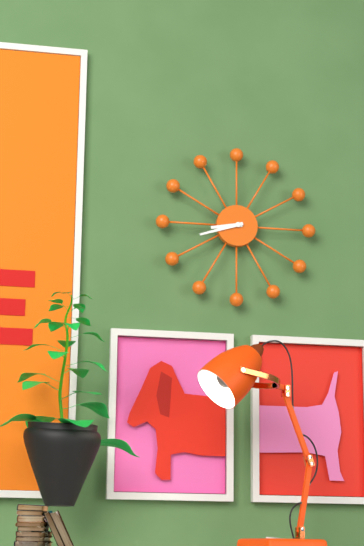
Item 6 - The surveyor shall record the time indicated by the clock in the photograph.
8:42
